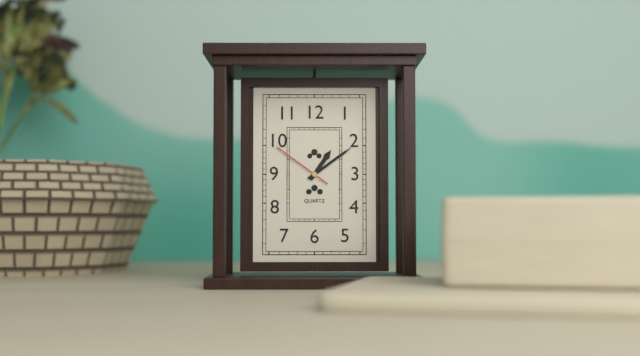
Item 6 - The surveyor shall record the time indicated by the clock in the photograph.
1:09:51
